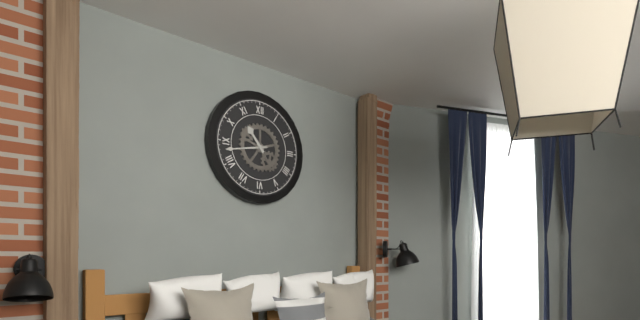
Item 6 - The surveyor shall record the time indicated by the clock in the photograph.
10:43
